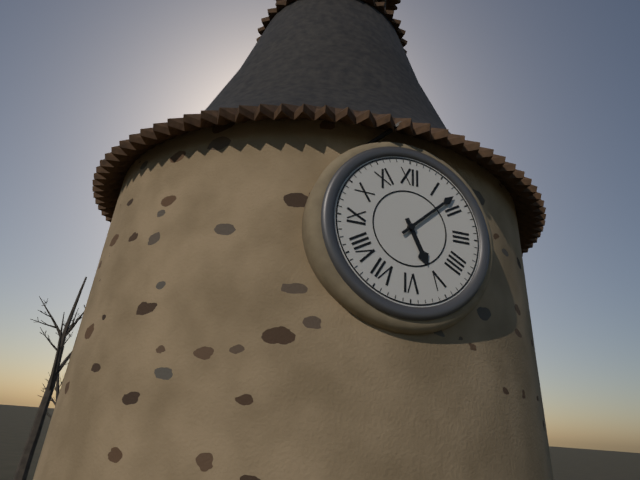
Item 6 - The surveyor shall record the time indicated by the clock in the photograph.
5:08
